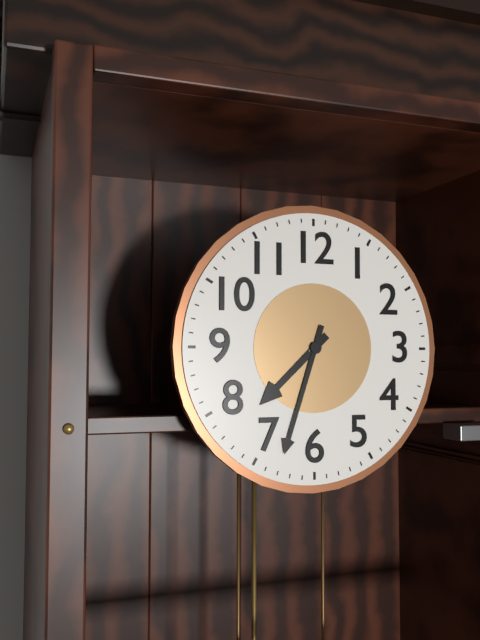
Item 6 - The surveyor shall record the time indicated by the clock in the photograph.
7:33
